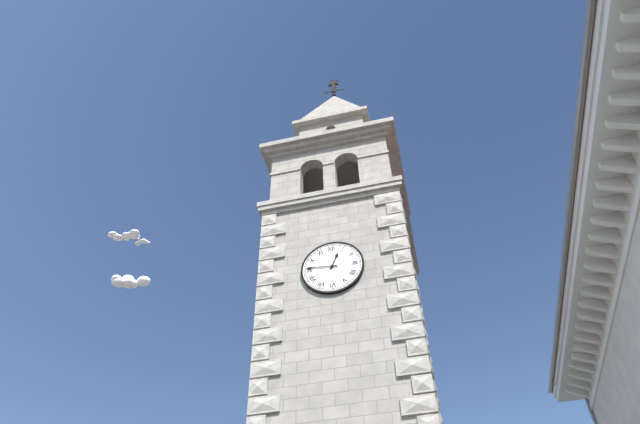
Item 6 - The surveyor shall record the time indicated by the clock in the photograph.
12:46
